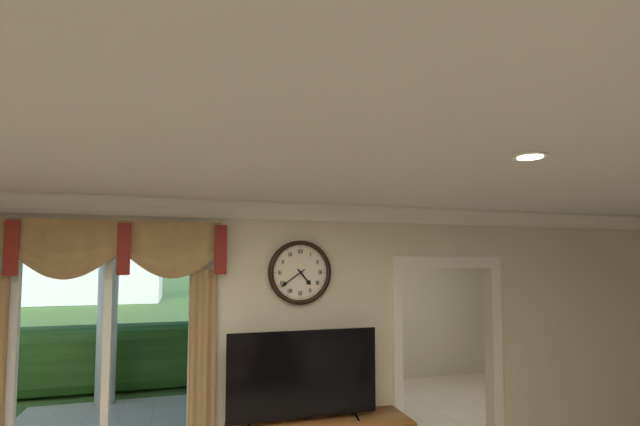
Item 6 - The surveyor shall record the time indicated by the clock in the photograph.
4:39
